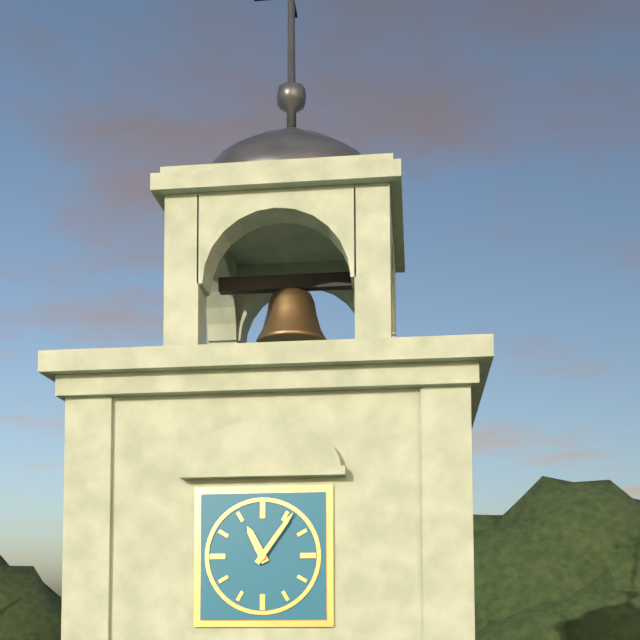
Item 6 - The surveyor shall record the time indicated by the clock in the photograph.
11:06
